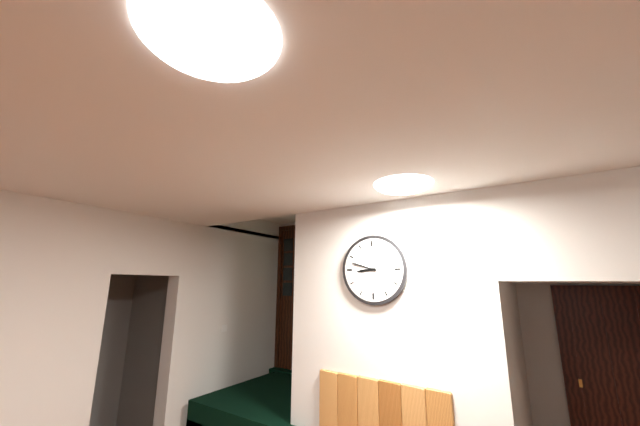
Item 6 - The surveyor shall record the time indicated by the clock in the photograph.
8:48
